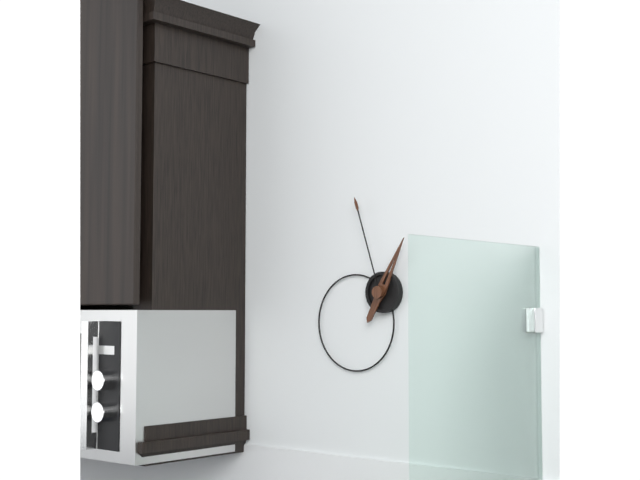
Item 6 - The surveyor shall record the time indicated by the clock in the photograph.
12:57
